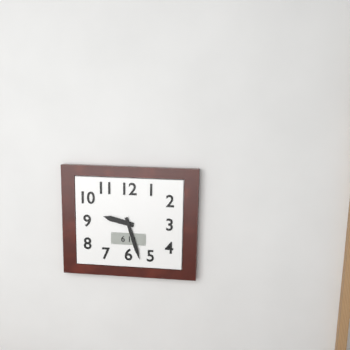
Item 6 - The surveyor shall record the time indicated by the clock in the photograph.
9:27
